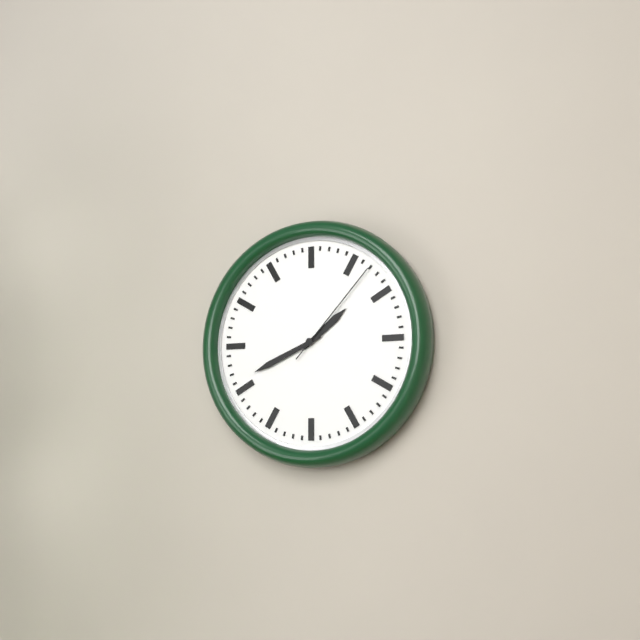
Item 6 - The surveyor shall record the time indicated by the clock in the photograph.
1:41:07
